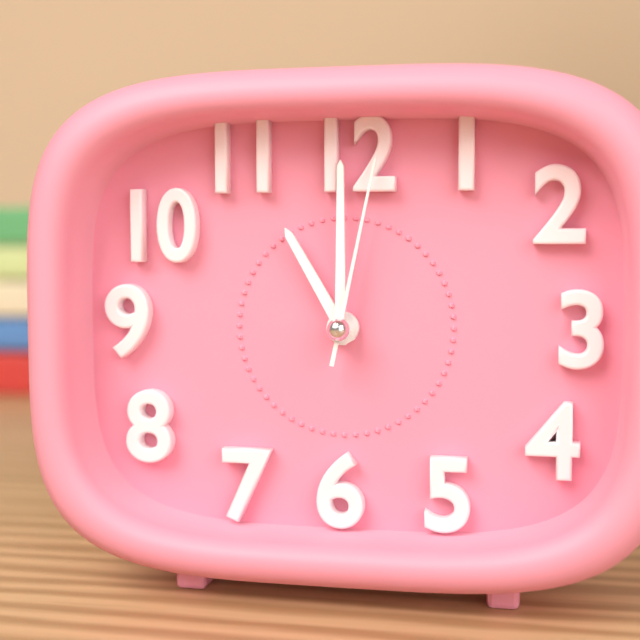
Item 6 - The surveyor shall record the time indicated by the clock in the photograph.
11:00:02
